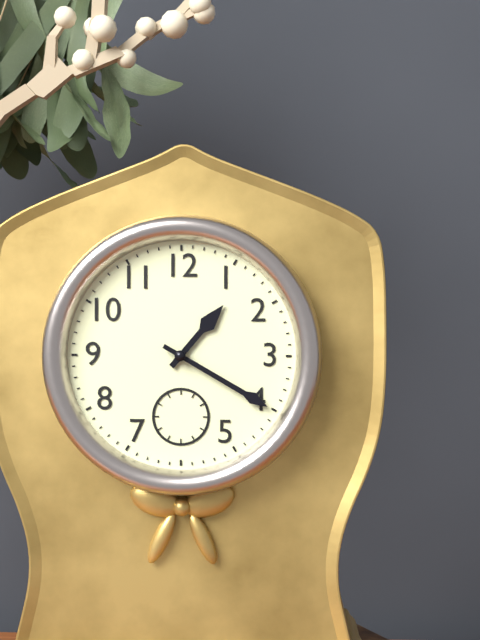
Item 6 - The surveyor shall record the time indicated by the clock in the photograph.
1:20
